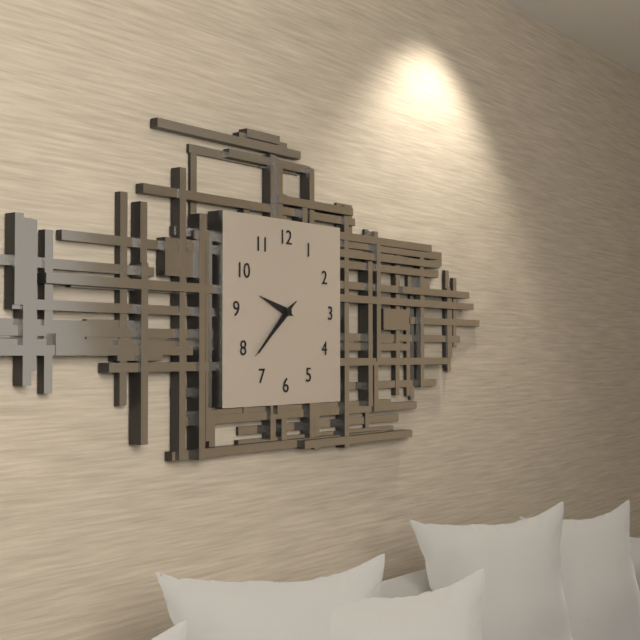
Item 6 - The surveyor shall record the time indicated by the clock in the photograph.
9:38:38
